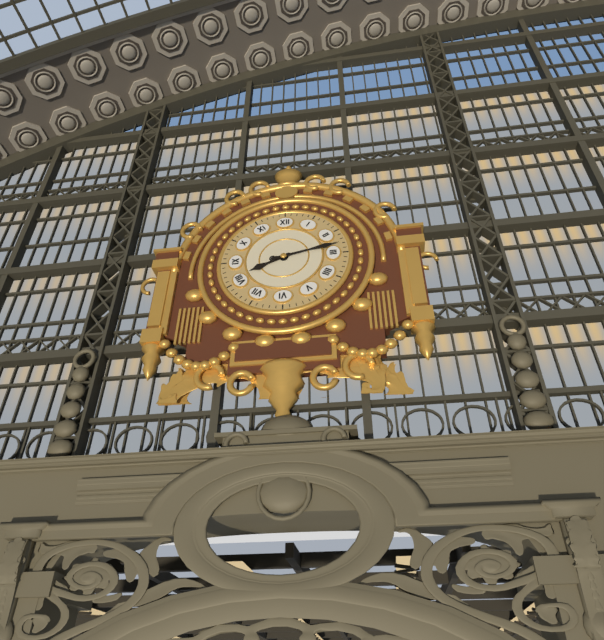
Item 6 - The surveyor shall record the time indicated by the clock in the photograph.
8:13
